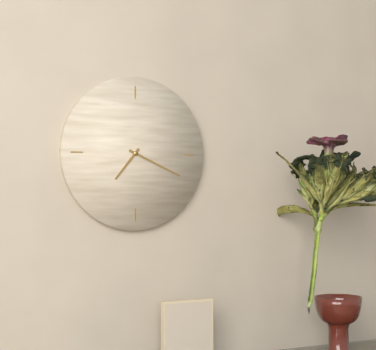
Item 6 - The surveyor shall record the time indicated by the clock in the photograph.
7:19
